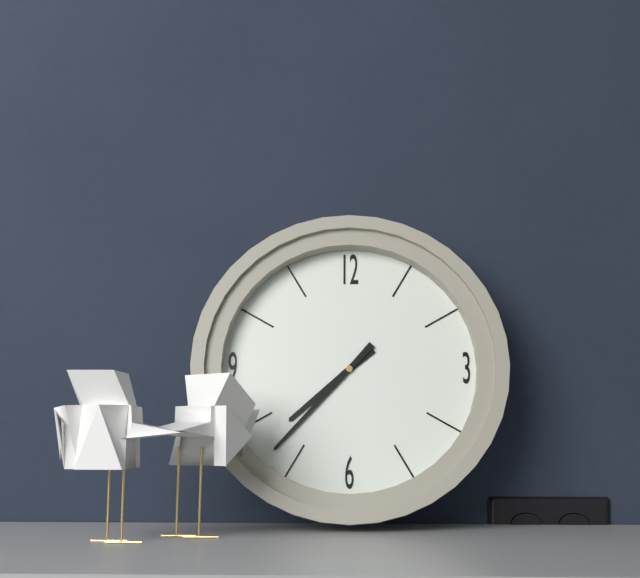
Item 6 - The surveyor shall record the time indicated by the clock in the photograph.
7:37
